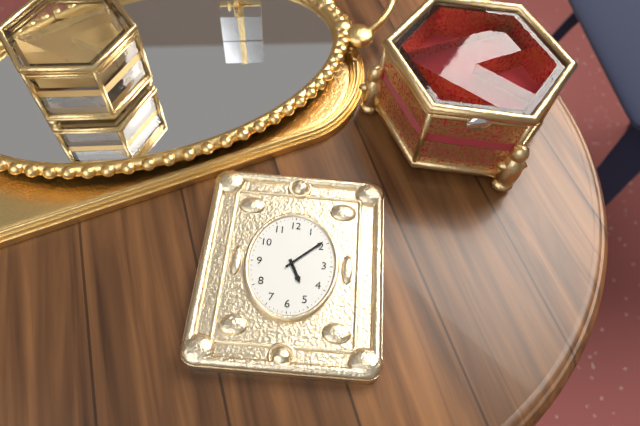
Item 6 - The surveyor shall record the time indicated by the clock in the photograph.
5:08
